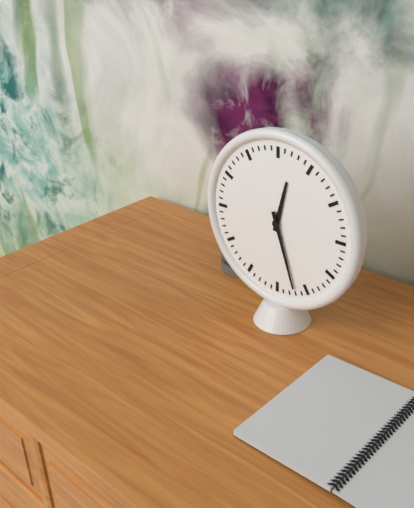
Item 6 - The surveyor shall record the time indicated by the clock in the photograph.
12:27
